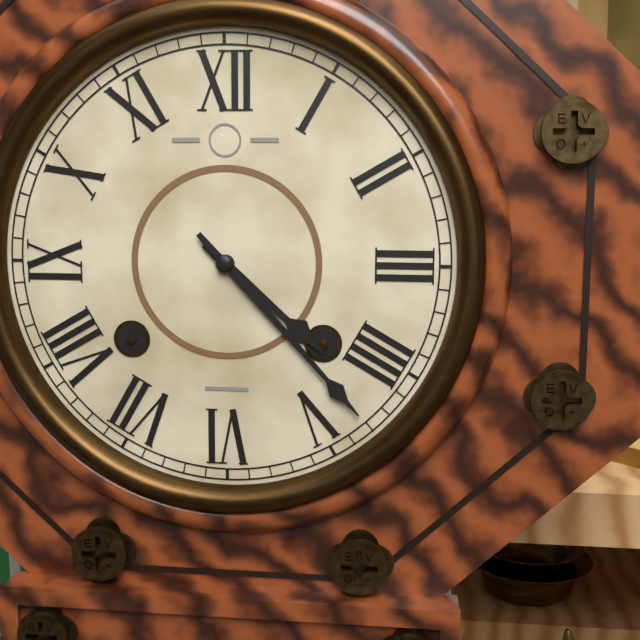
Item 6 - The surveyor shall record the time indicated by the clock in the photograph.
4:23
